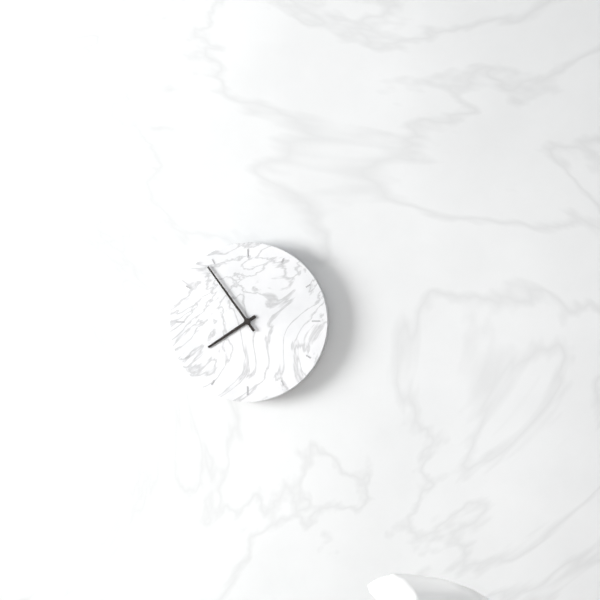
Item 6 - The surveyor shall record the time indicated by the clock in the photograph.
7:54
